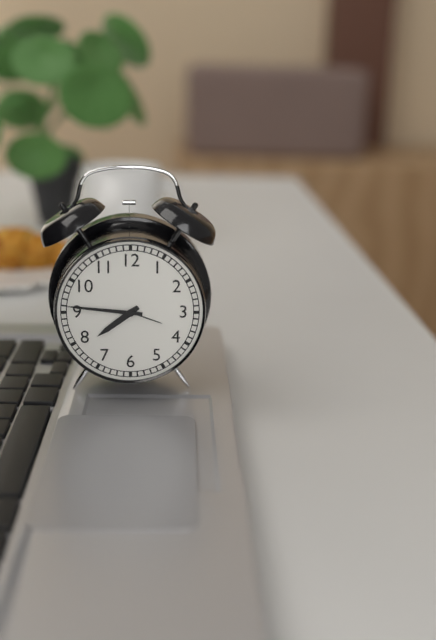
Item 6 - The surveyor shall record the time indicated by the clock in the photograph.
7:46
